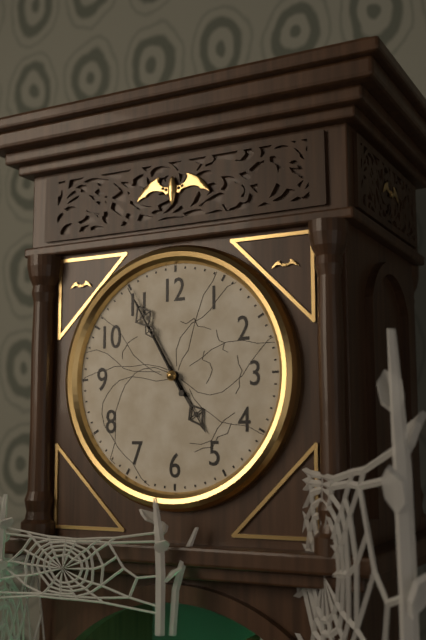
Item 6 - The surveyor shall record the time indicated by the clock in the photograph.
4:55:55
